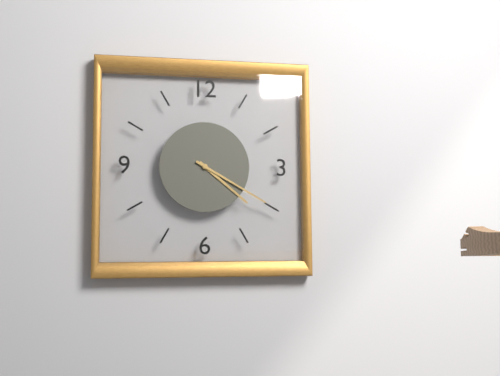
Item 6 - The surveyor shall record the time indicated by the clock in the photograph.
4:20
